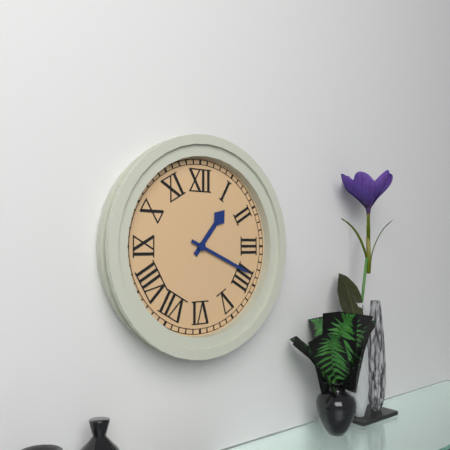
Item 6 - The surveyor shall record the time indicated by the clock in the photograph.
1:19
